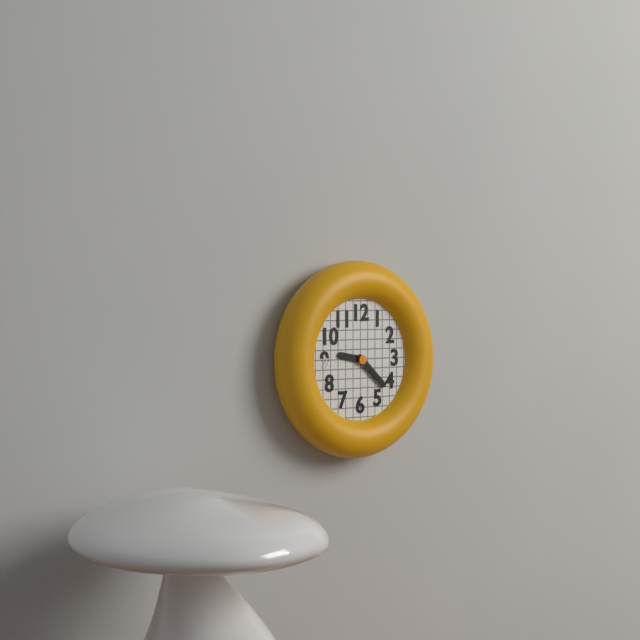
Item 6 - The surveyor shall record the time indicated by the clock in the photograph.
9:22
